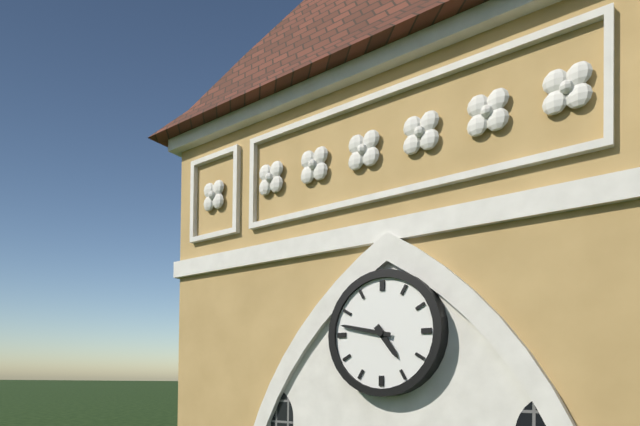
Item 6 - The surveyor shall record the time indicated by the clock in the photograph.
4:47
